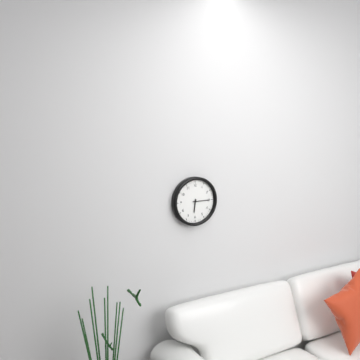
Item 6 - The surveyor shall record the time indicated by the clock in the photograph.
6:15
